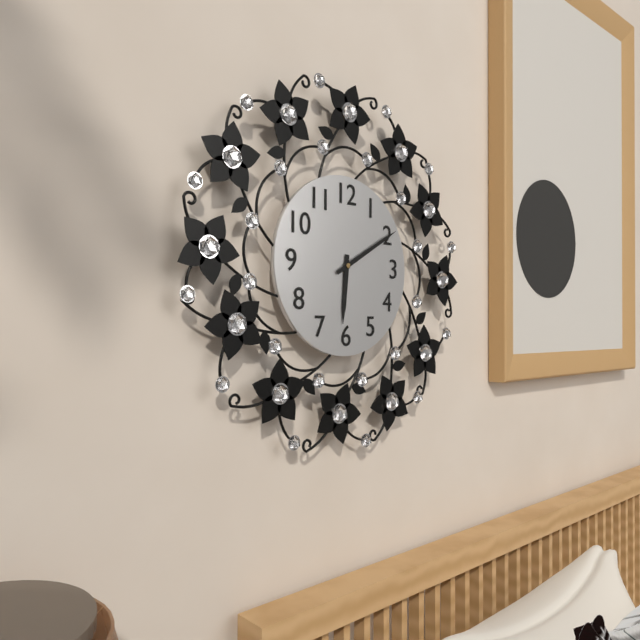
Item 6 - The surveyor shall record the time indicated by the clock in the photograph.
6:10
